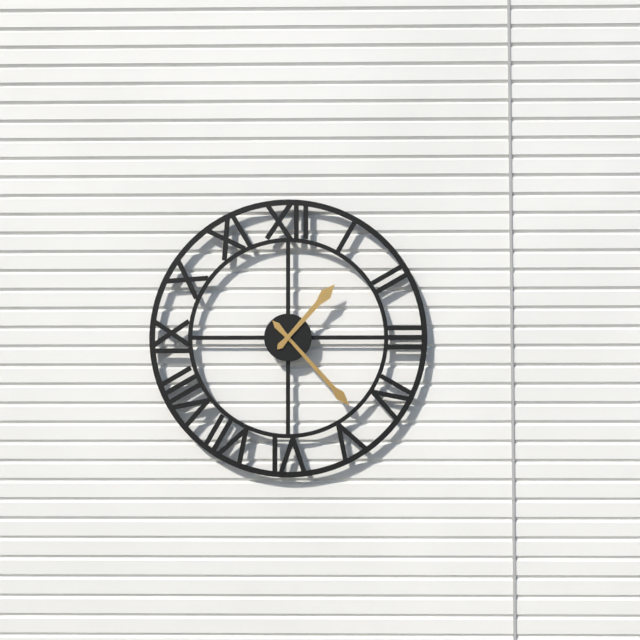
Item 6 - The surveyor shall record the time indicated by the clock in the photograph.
1:23
